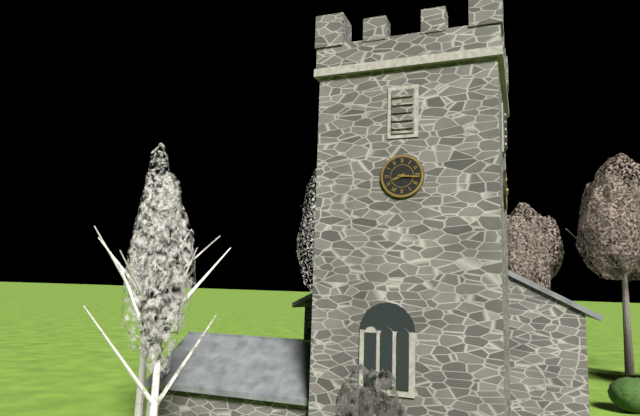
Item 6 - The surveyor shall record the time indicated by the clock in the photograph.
8:16
